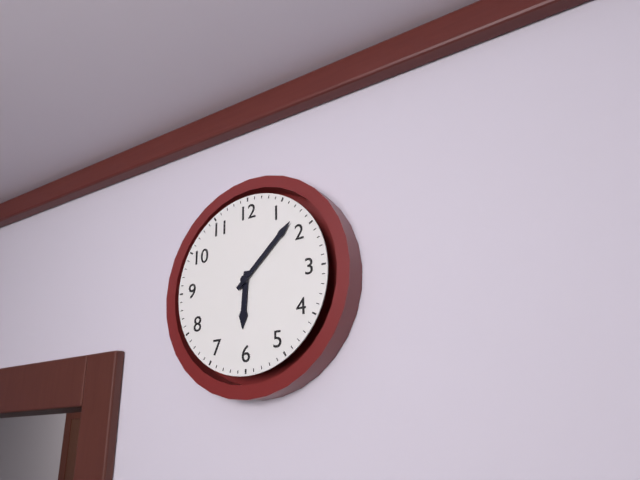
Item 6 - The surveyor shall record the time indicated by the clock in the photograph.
6:08
